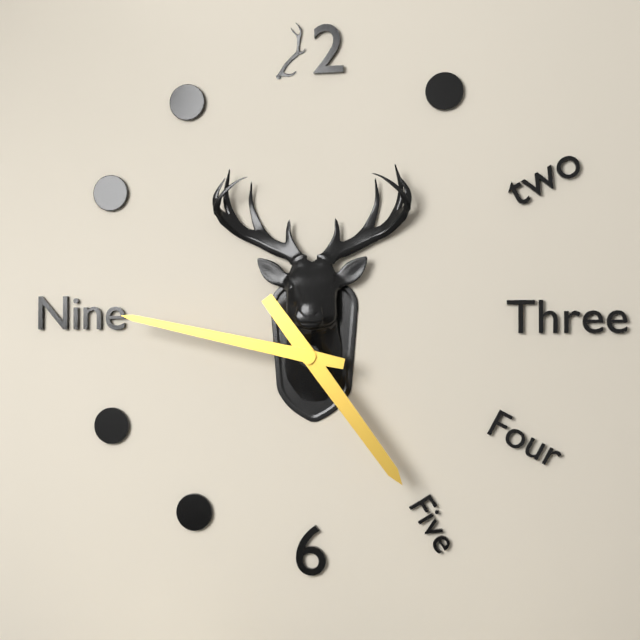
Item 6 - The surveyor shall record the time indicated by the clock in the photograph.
4:47
